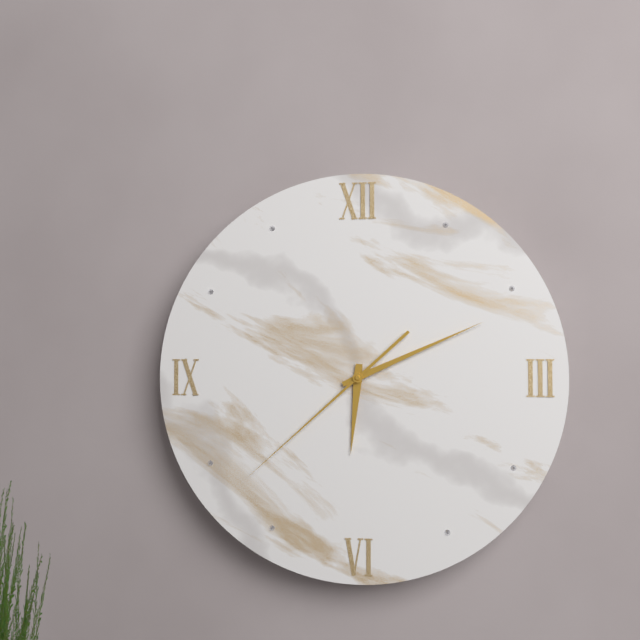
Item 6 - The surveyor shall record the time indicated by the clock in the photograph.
6:11:38
